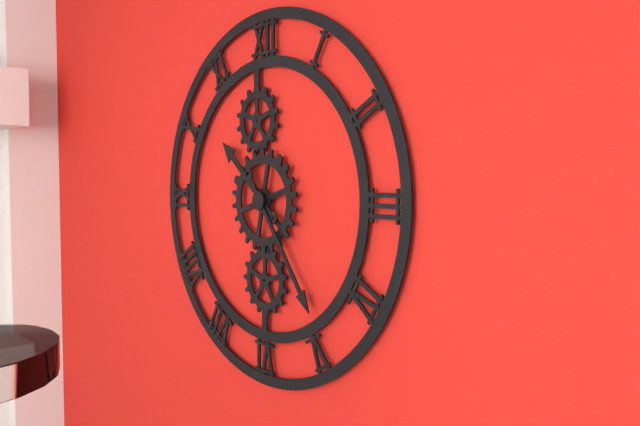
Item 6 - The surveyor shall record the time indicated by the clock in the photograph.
10:24
